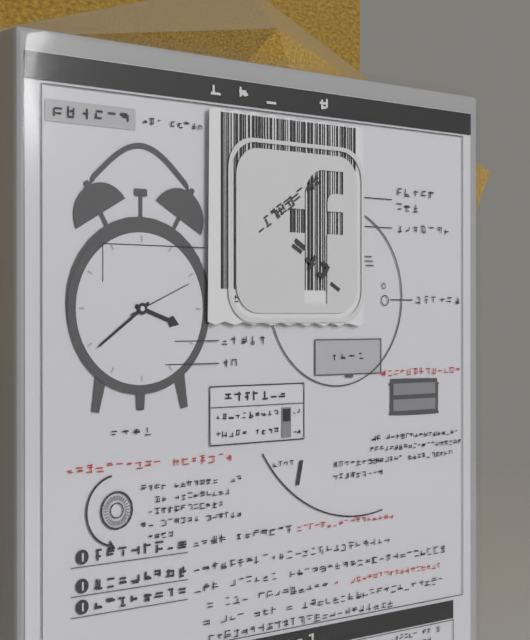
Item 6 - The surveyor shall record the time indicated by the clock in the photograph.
3:39:11
